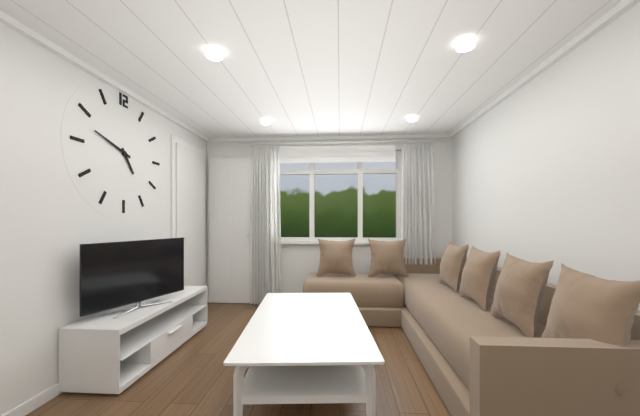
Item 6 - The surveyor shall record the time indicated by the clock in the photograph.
4:48
